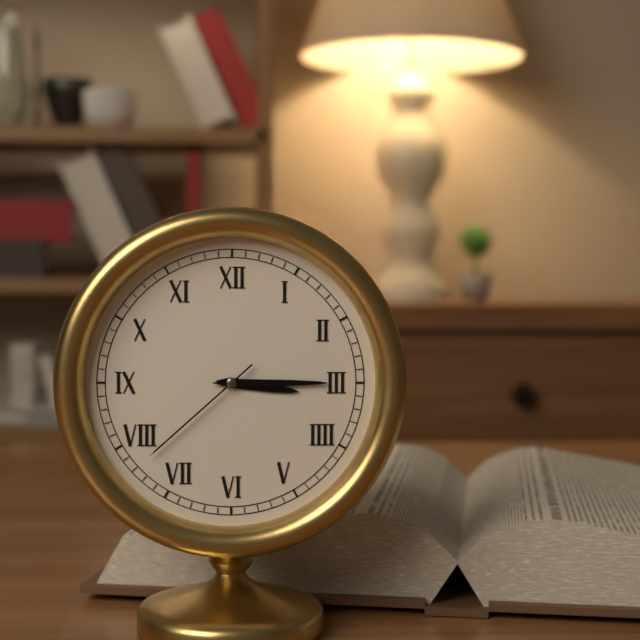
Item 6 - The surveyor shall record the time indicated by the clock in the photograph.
3:15:38
